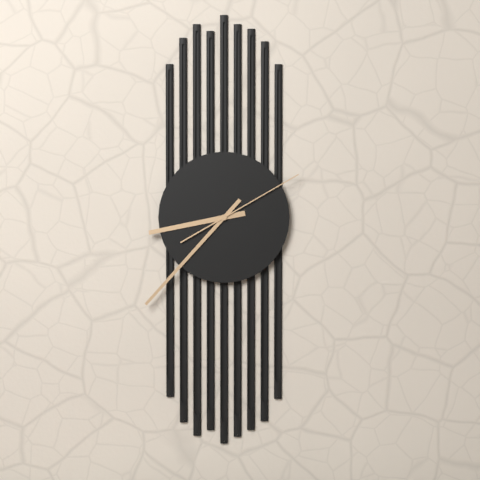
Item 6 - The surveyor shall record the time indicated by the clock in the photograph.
8:37:10
